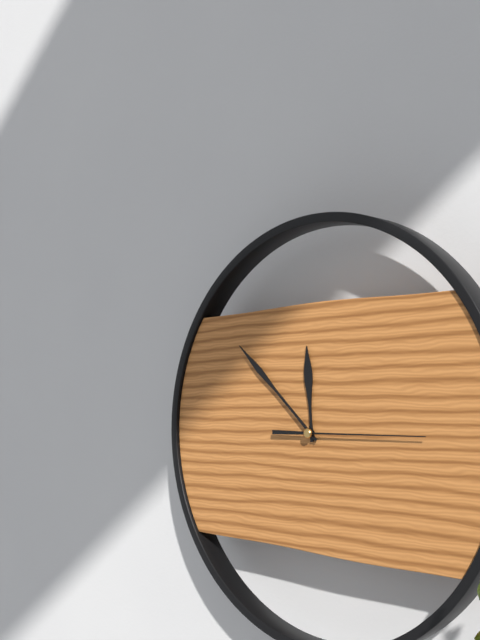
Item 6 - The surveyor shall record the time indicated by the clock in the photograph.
11:52:15
